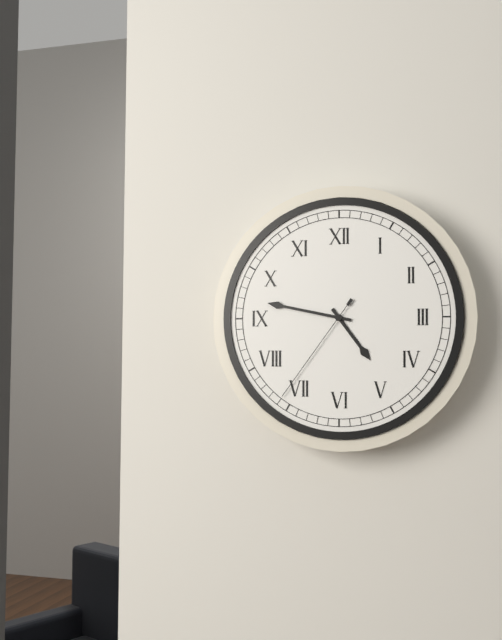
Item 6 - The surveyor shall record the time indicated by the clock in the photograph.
4:47:36
